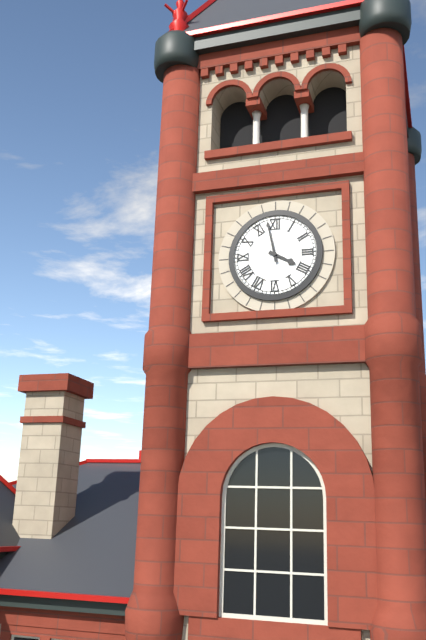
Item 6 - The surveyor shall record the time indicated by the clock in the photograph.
3:58
